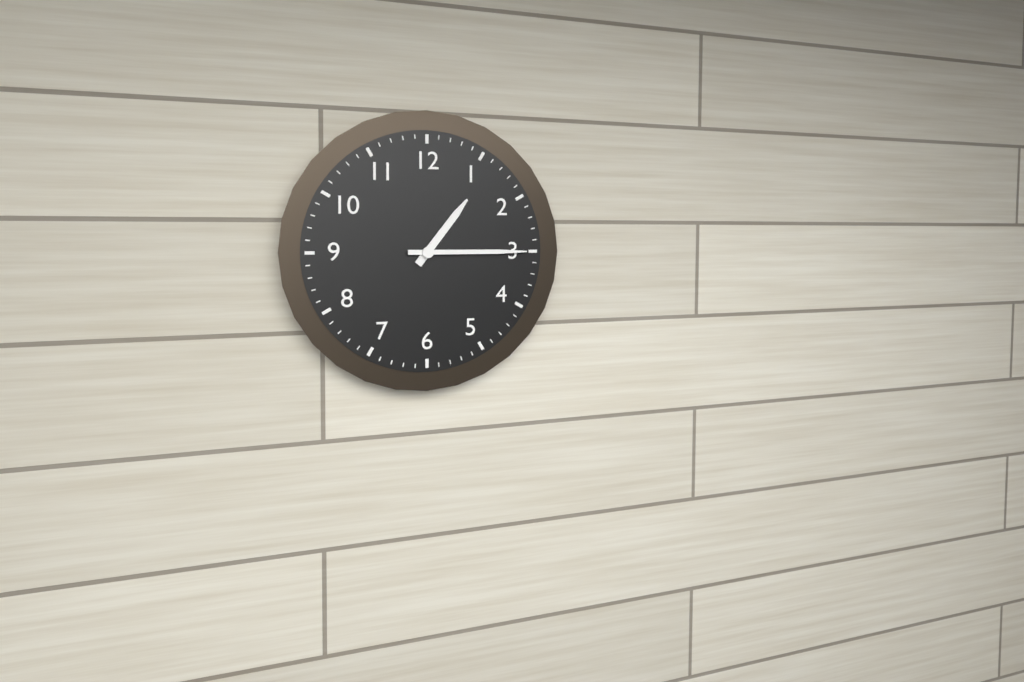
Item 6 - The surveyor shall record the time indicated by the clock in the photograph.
1:15
